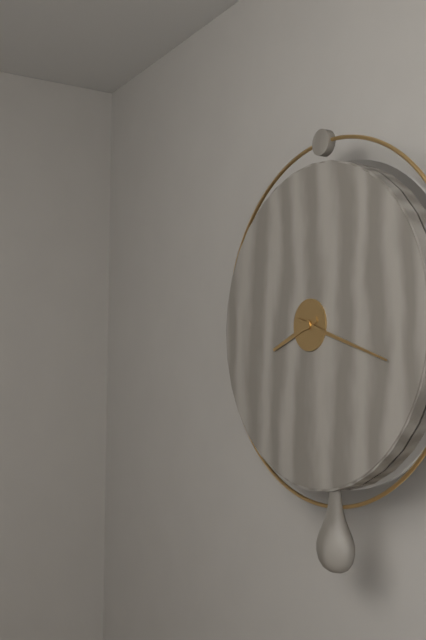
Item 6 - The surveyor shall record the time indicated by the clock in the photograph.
8:18
